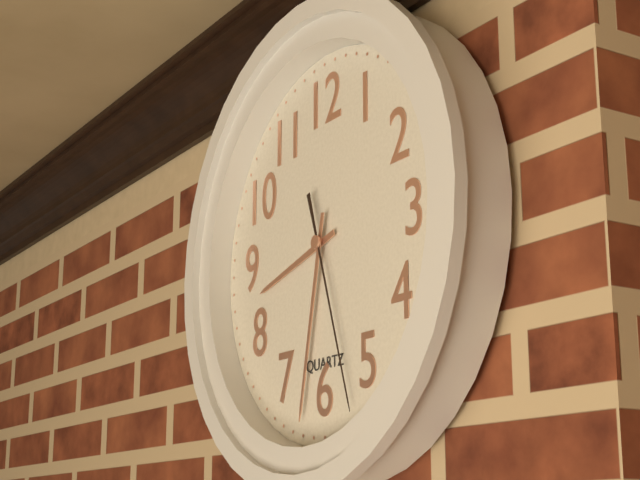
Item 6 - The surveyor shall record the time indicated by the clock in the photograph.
8:32:27
